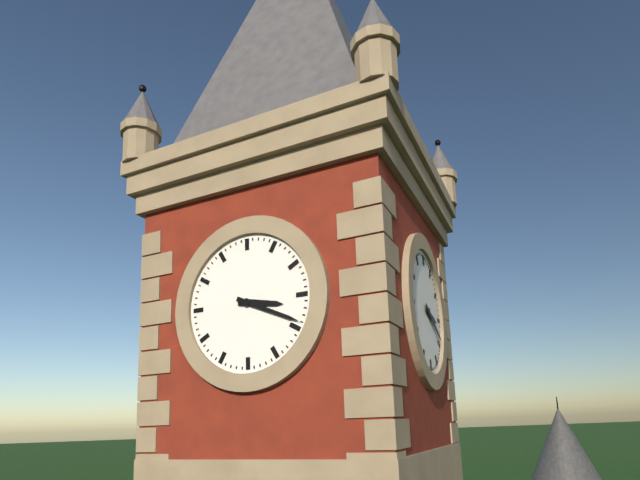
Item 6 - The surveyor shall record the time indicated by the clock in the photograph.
3:19
